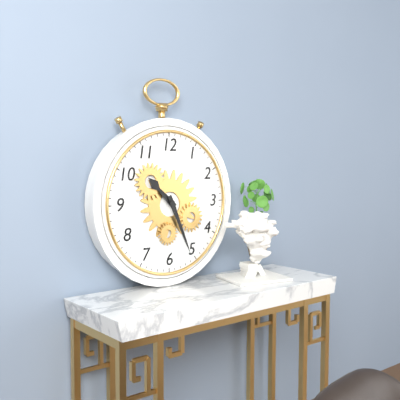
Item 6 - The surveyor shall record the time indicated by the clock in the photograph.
10:26
